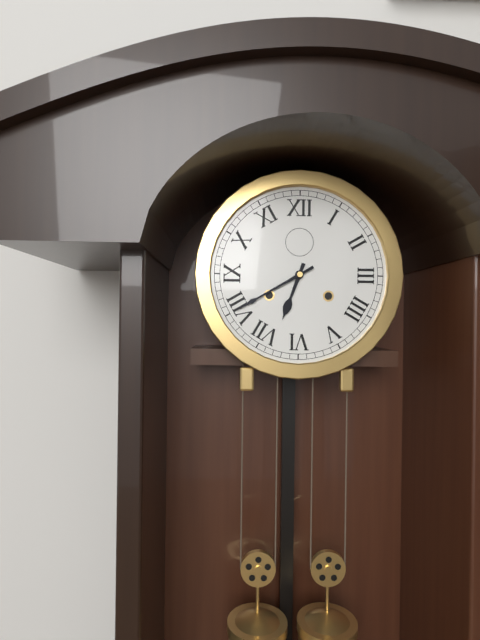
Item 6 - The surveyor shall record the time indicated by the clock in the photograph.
6:40
